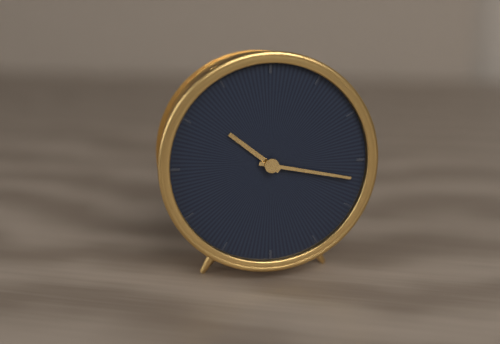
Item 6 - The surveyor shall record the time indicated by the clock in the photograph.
10:17
